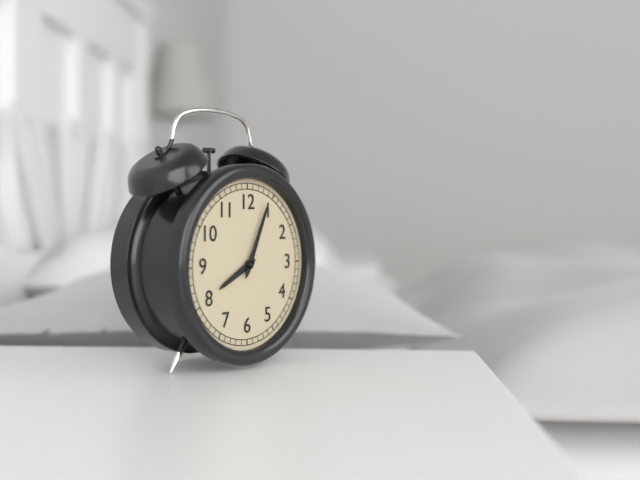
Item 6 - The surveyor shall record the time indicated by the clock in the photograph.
8:04
